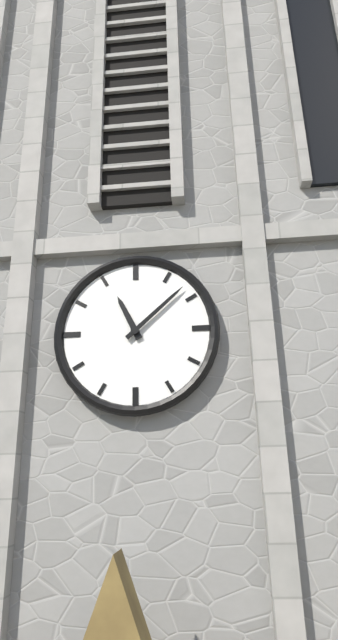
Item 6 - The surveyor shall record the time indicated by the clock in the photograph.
11:08
